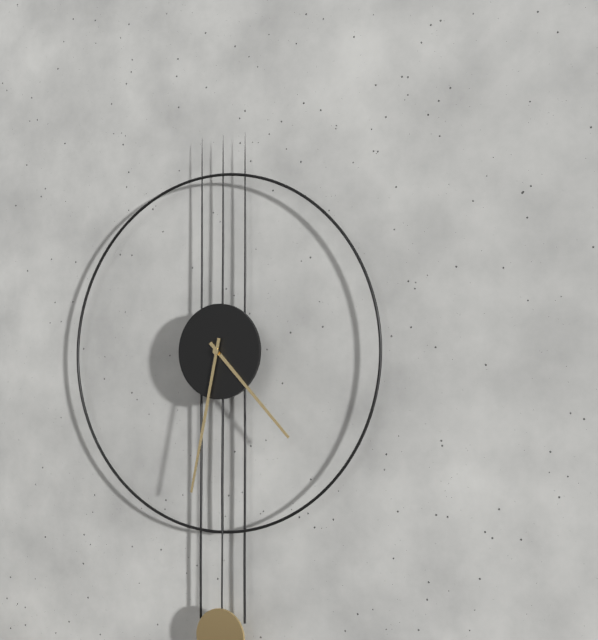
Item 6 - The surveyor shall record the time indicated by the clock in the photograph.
4:32
